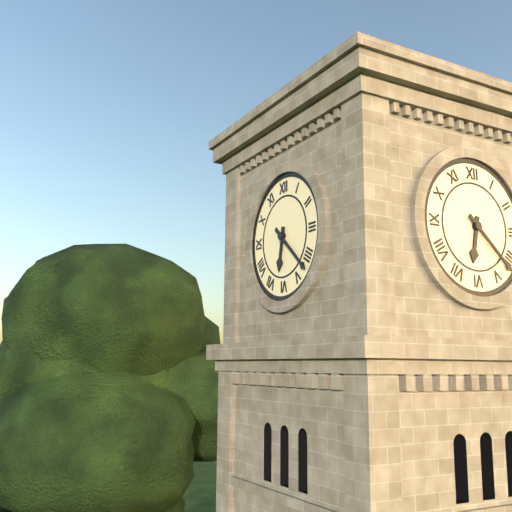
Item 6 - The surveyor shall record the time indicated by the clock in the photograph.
6:22
